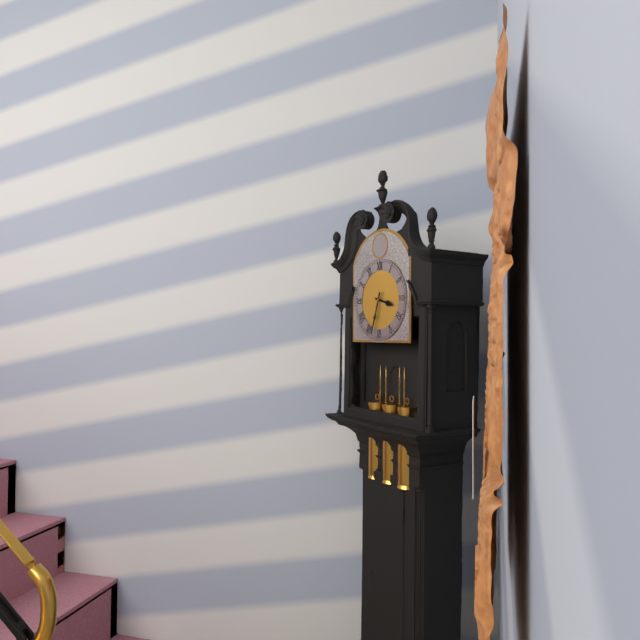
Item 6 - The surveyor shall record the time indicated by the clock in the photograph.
3:33
